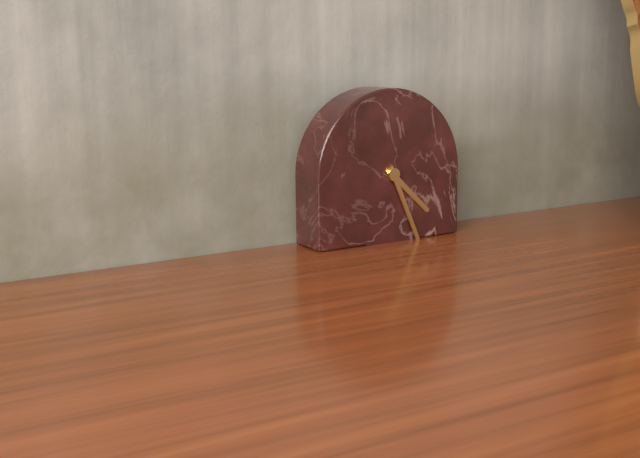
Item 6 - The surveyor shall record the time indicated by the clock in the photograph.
4:26
